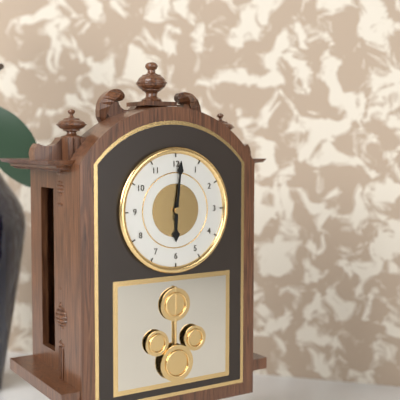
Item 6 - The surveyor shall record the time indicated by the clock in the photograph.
6:01
